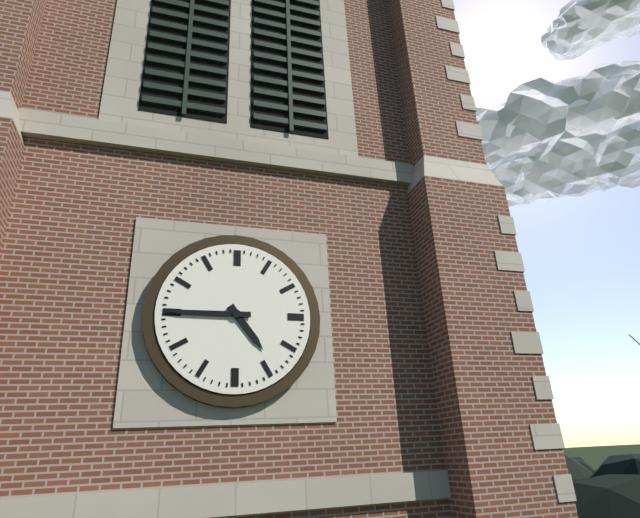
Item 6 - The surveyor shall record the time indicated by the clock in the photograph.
4:45
